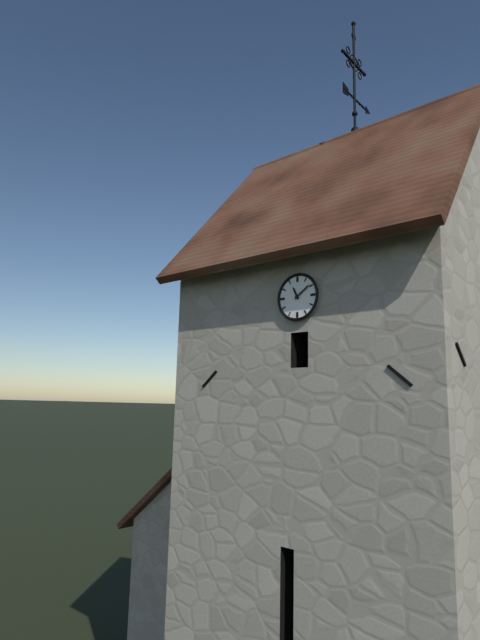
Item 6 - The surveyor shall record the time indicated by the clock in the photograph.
11:09
